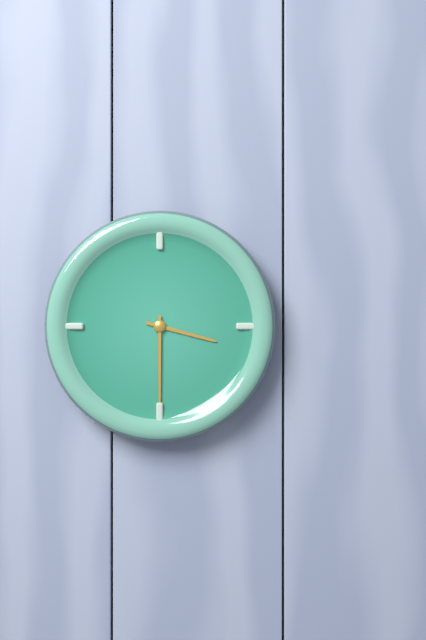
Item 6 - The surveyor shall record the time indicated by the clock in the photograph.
3:30
